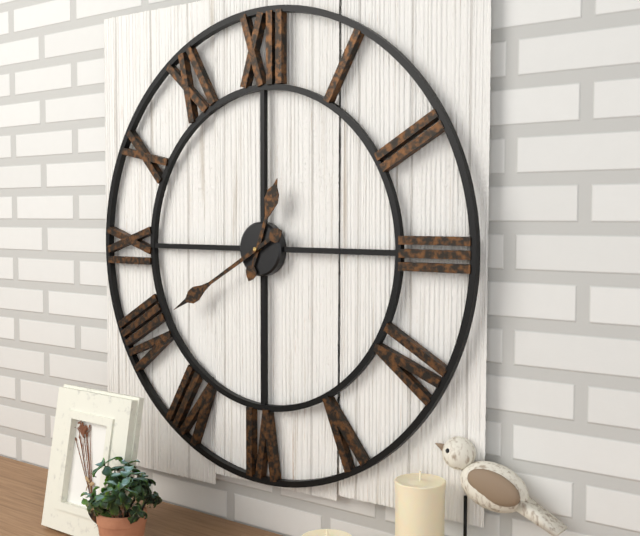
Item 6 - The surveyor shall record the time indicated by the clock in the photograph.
12:40
